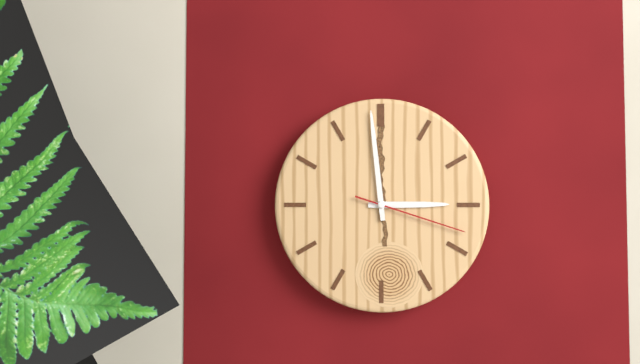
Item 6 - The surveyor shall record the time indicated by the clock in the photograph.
2:59:18
